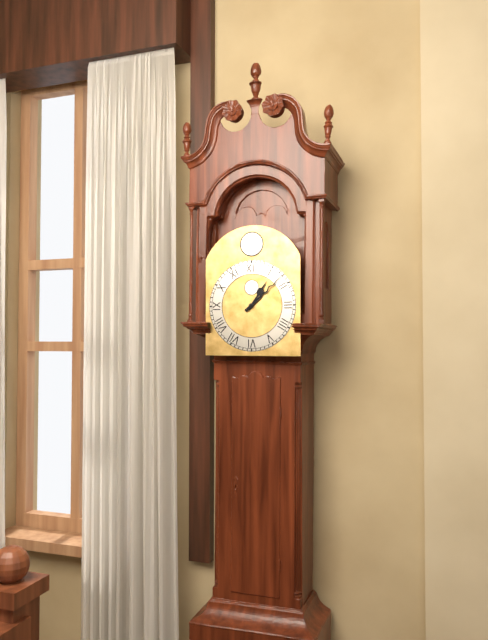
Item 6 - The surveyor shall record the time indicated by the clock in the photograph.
1:08
